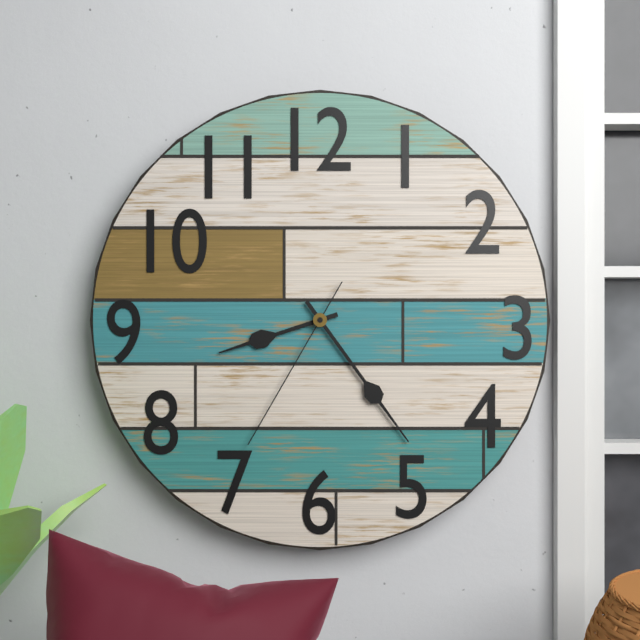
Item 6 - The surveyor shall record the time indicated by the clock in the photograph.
8:24:35
